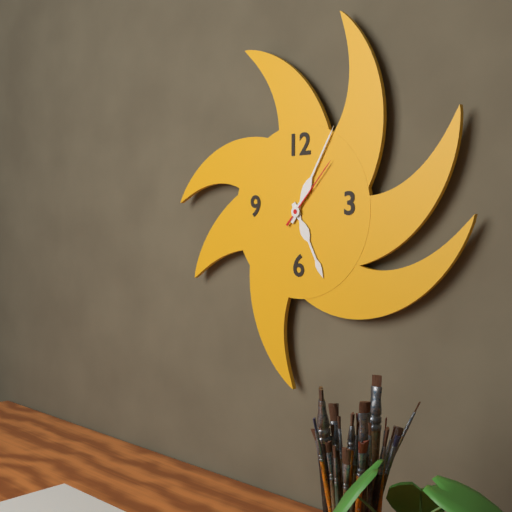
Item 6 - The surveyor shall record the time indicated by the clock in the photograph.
5:05:07
